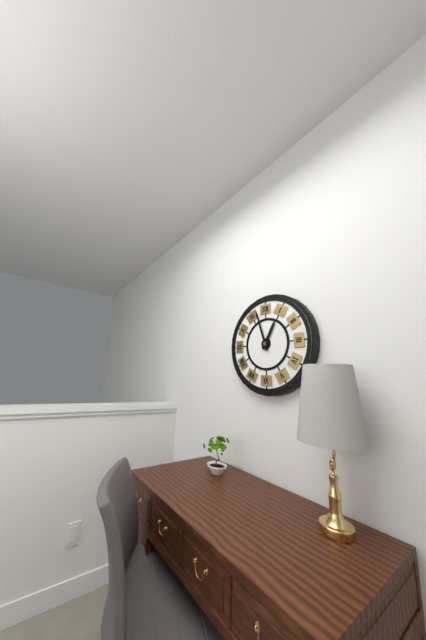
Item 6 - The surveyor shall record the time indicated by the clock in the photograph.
12:57
